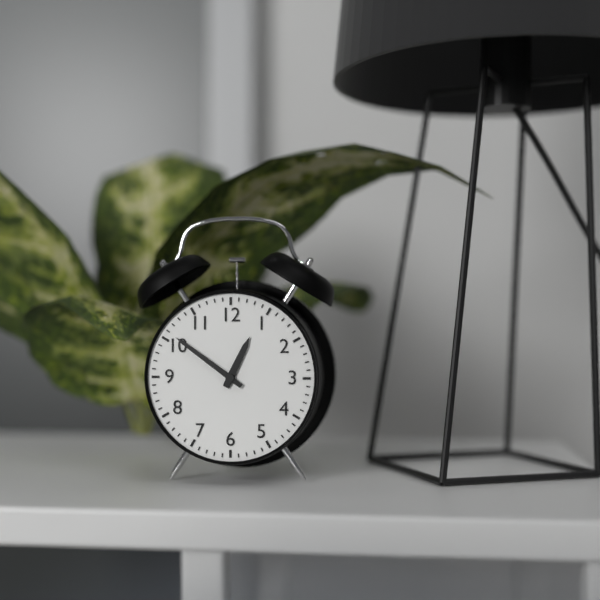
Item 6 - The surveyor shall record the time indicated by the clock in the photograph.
12:51
